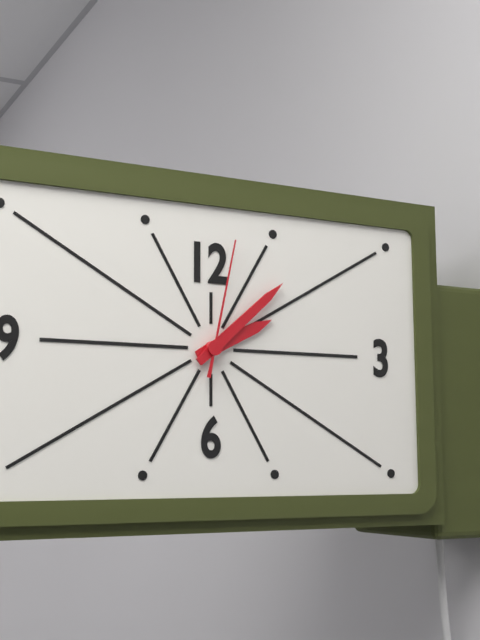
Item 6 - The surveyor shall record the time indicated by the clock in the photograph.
2:08:02
